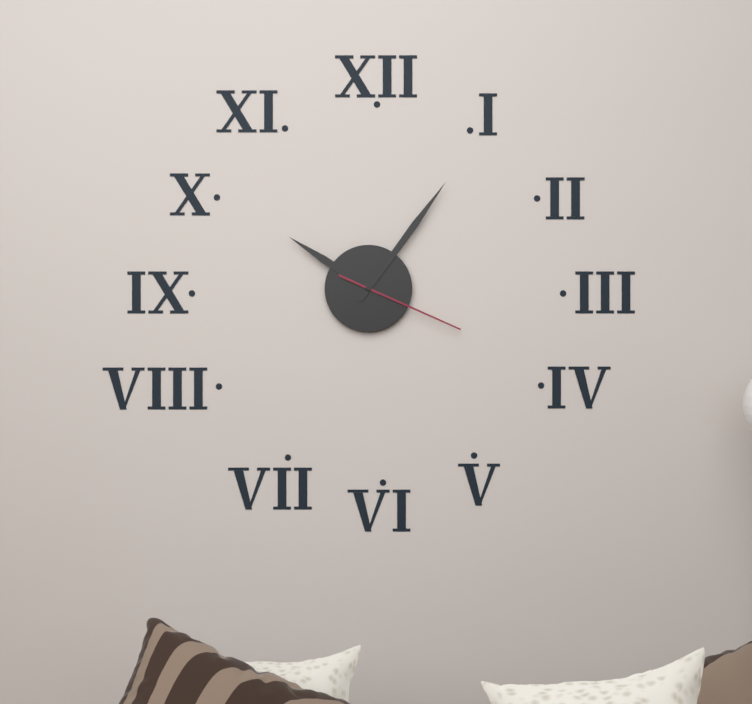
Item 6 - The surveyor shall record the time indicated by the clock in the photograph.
10:06:19
